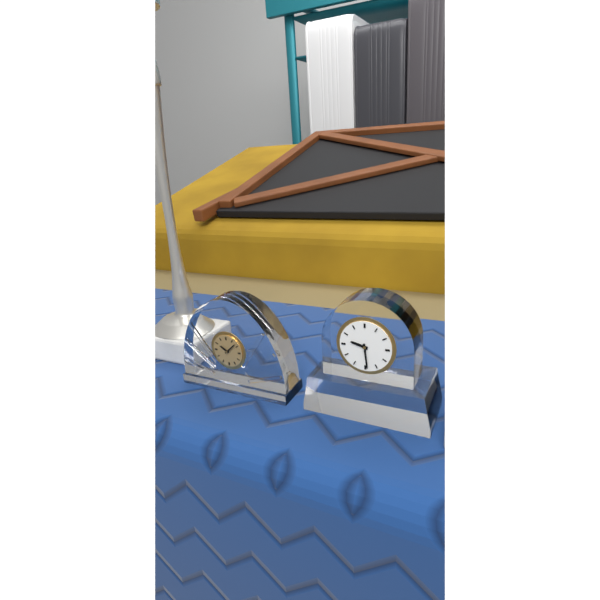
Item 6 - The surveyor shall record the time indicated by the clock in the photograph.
9:29
